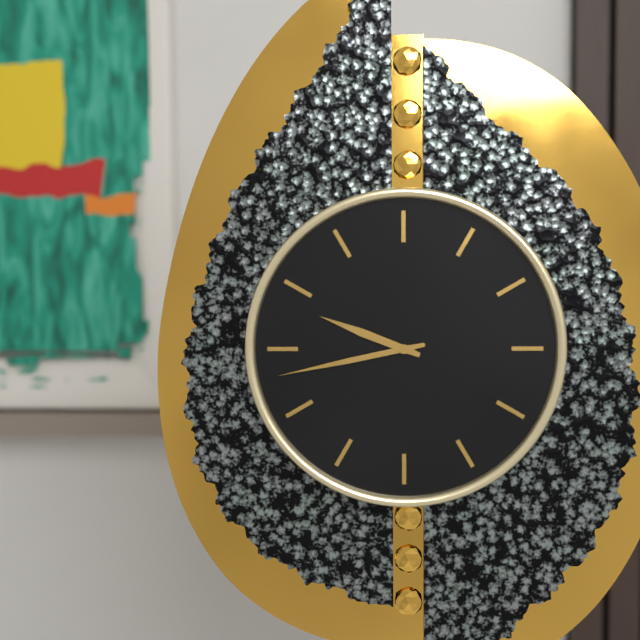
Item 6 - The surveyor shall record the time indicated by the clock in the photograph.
9:43
